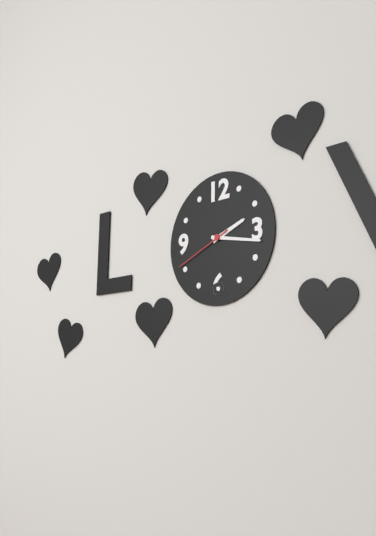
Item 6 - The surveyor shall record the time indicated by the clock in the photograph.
2:17:41
